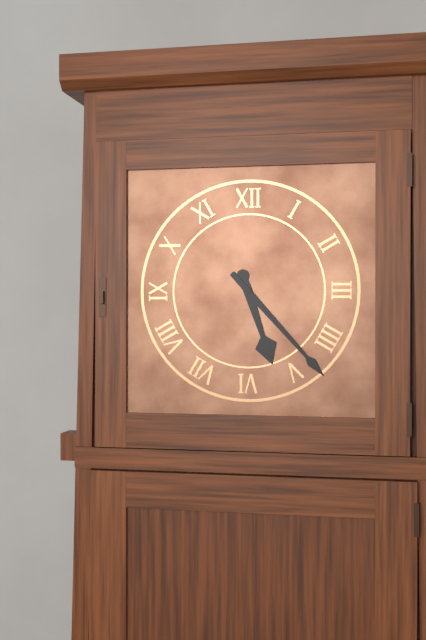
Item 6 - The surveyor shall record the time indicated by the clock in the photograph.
5:23
